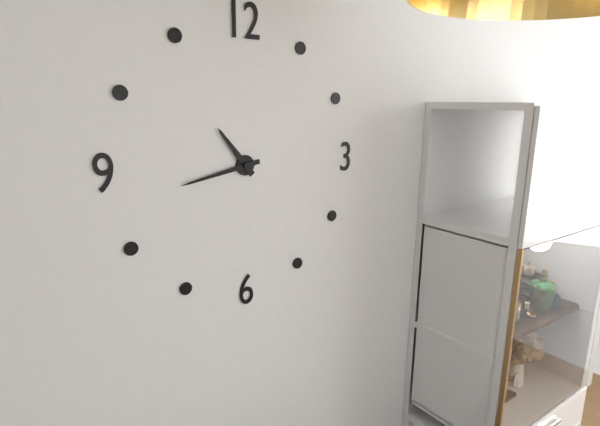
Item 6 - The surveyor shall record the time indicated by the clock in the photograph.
10:43
